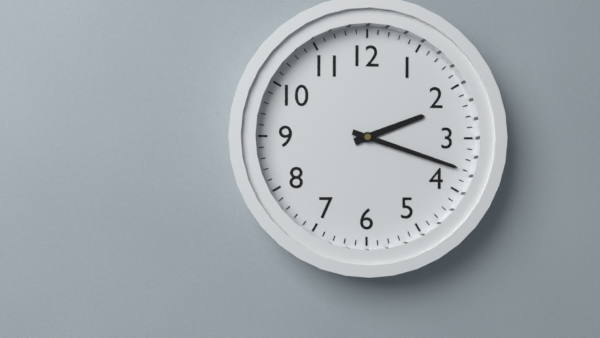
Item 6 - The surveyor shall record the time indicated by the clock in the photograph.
2:18
